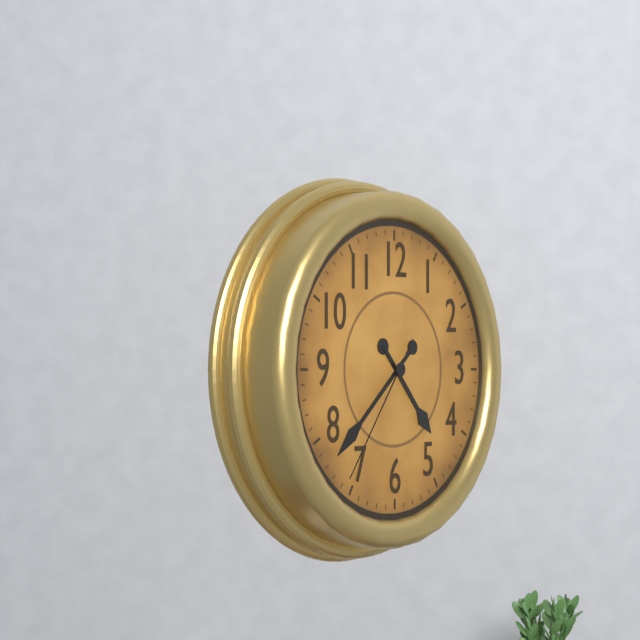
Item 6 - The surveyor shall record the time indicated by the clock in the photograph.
4:38:36
